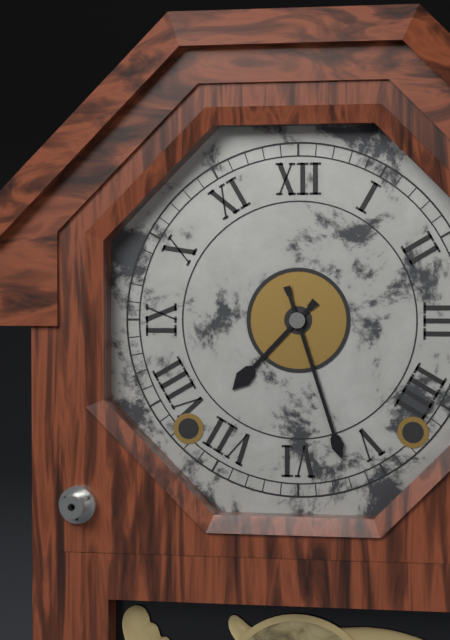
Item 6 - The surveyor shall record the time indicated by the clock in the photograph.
7:27
